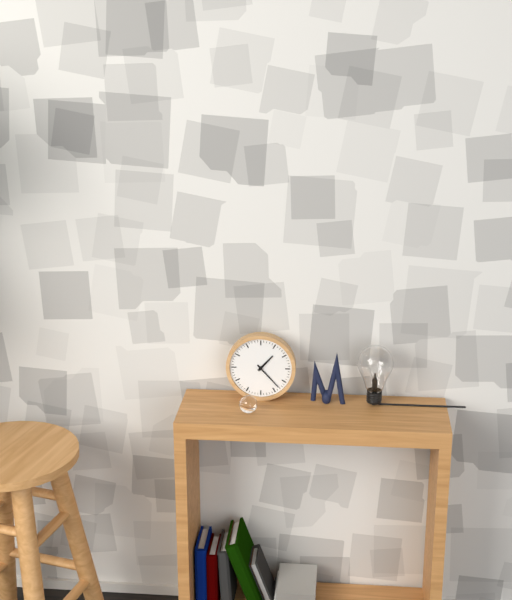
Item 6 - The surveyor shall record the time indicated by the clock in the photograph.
1:23
